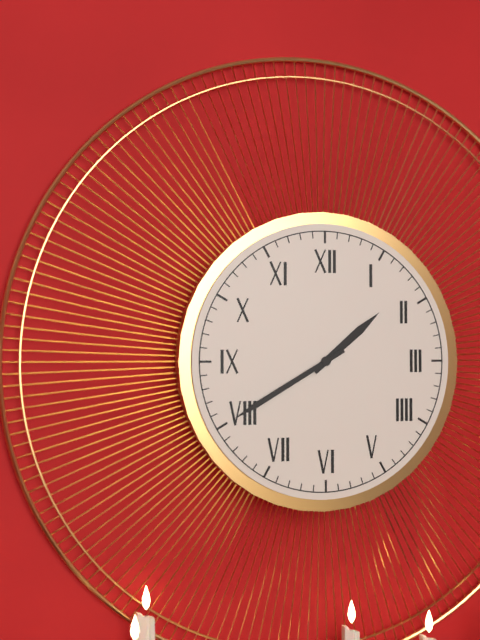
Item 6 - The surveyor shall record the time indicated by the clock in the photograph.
1:40
